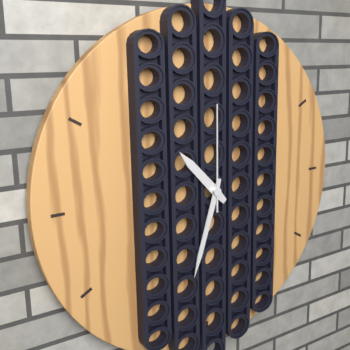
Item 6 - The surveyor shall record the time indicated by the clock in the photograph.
10:33:00
